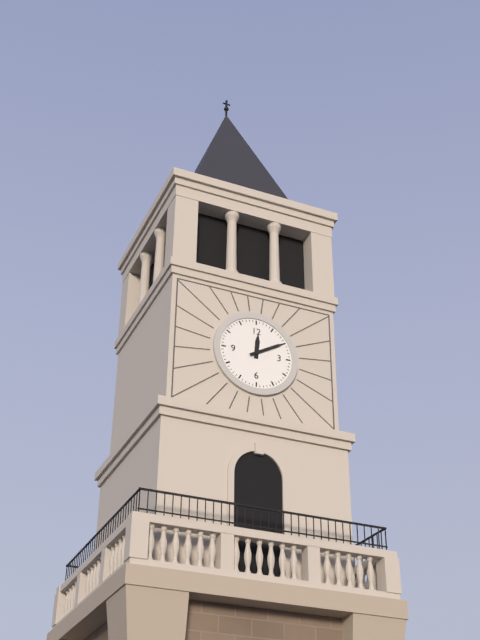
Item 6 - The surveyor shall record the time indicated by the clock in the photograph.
12:10
